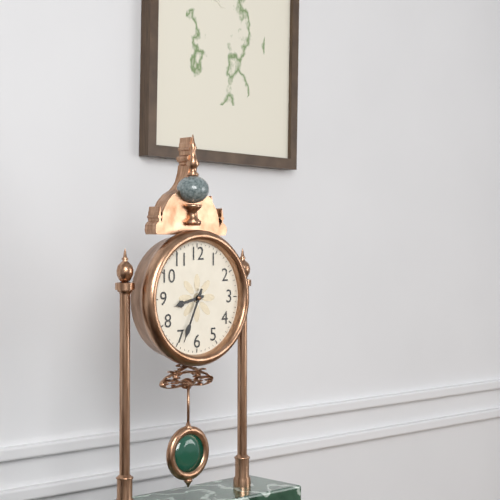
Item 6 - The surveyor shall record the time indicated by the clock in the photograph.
8:34
